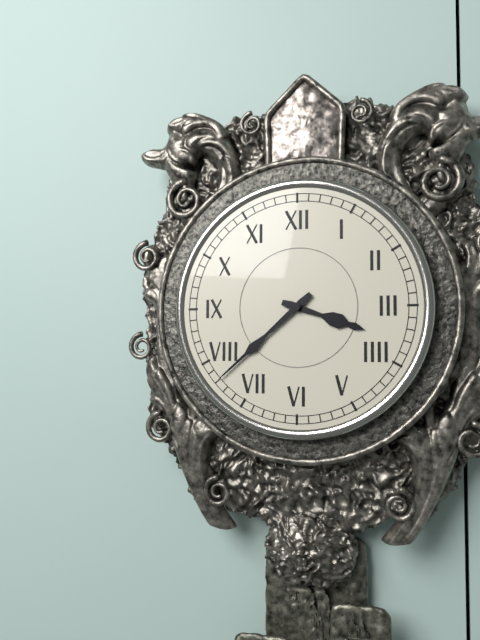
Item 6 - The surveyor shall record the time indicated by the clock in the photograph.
3:38
